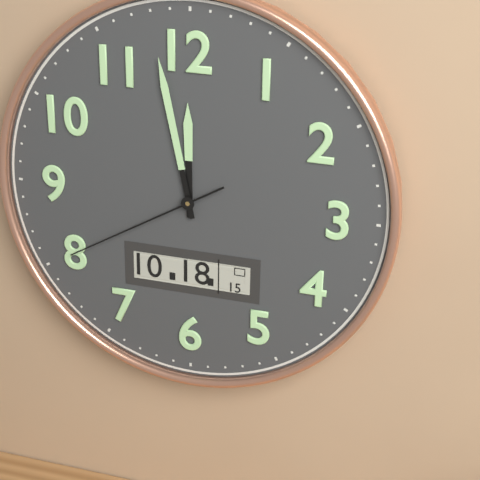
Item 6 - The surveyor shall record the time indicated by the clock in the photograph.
11:58:40
